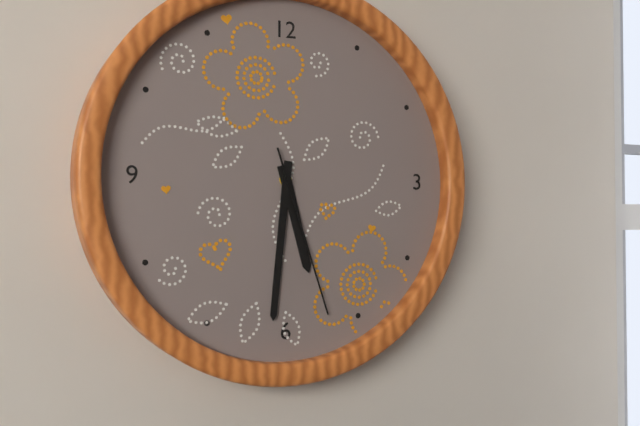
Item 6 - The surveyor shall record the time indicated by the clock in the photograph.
5:31:27
